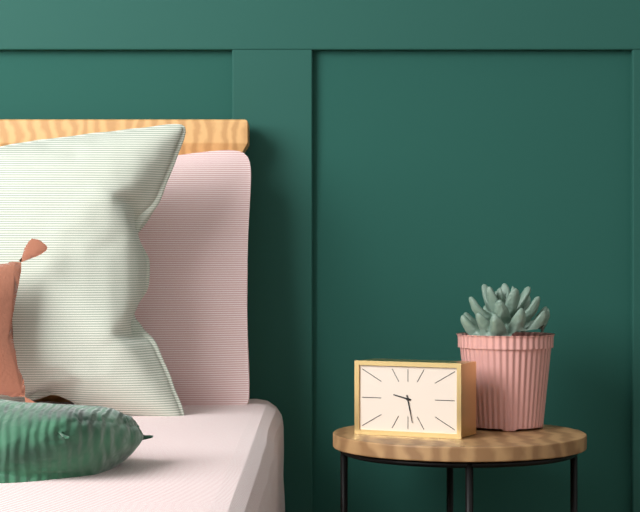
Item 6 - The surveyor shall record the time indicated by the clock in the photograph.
9:28
